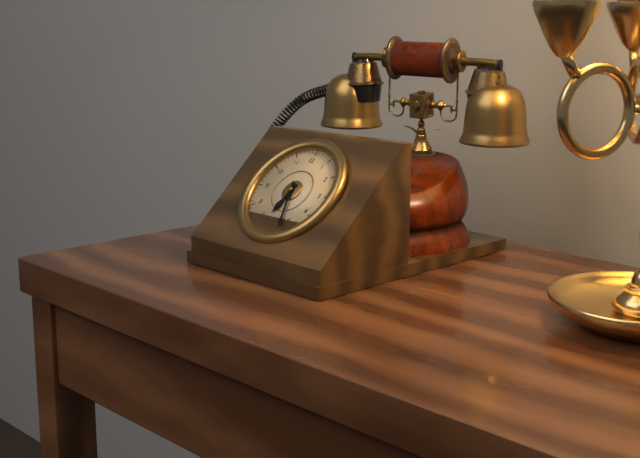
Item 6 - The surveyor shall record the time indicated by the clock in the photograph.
6:27
